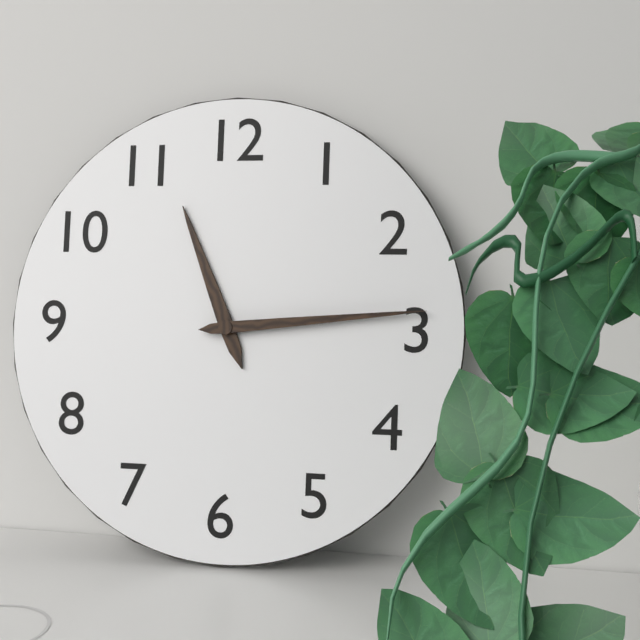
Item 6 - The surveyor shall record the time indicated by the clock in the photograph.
11:14
